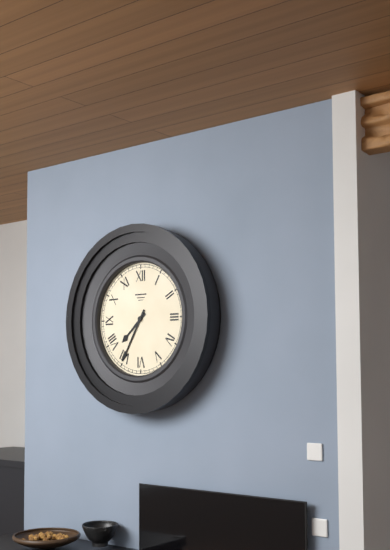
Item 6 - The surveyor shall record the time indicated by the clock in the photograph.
7:35
